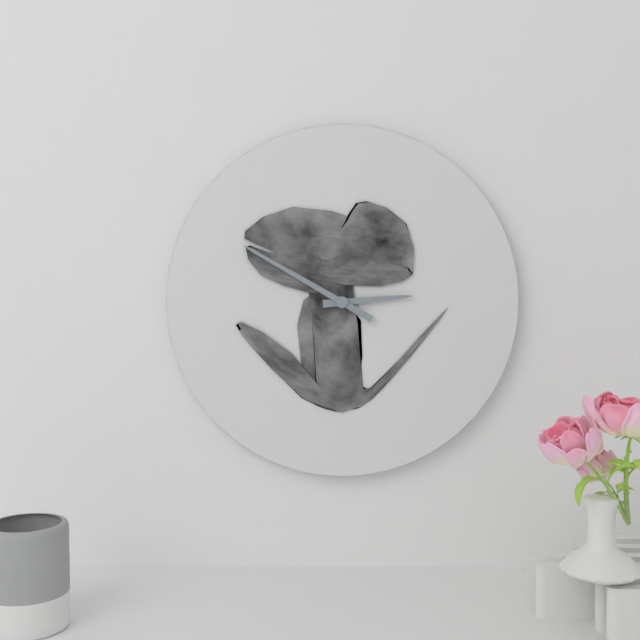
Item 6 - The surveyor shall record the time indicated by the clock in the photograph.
2:50
